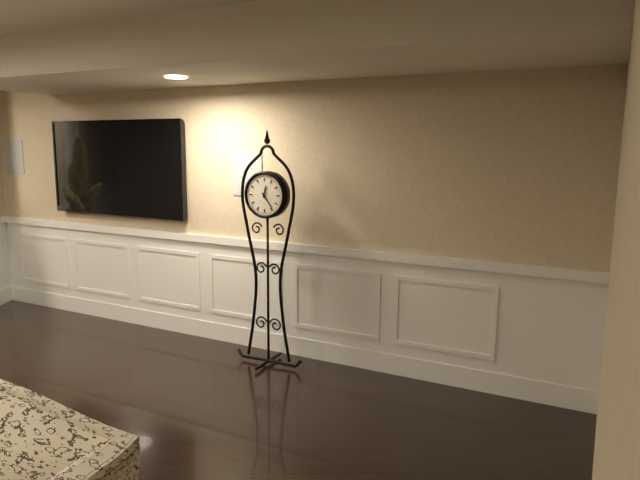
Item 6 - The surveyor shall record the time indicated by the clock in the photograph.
12:24
